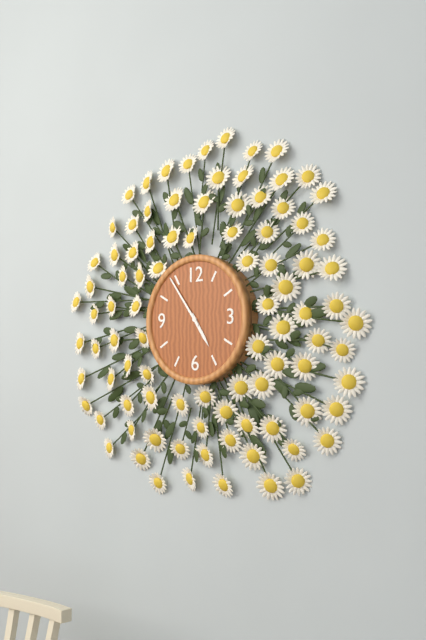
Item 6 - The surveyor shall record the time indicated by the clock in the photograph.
4:54
